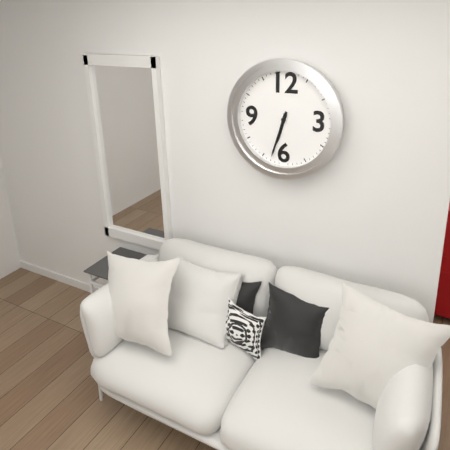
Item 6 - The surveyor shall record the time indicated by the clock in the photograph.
6:33
